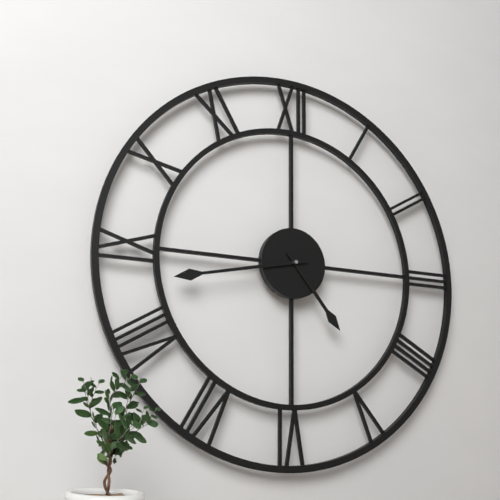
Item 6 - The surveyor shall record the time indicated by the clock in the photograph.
4:43
